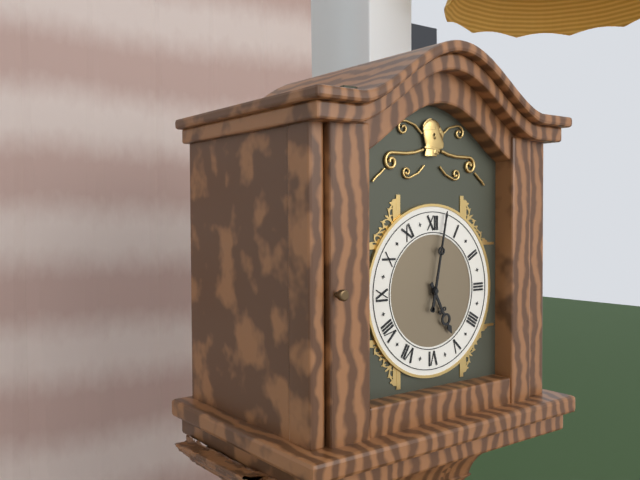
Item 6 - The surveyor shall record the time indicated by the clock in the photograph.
5:02
